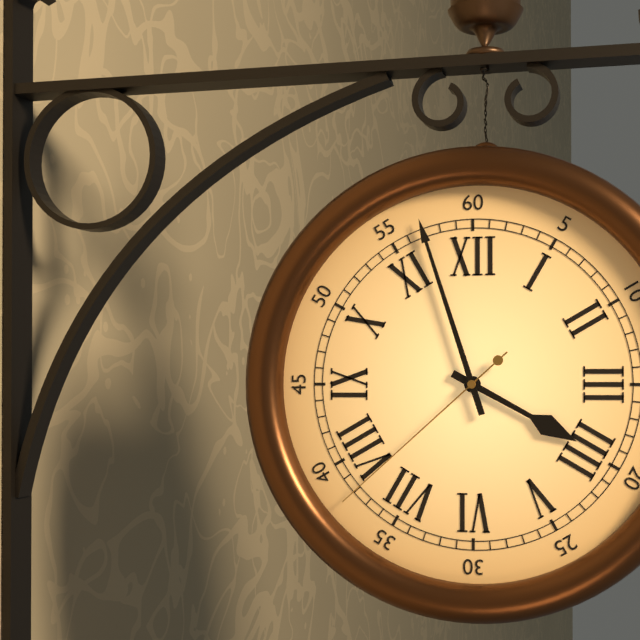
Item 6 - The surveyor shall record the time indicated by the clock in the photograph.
3:57:38
